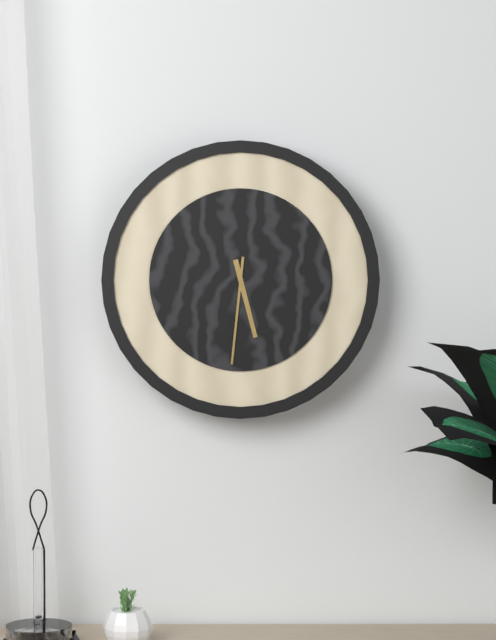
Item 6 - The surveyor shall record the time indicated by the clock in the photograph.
5:31
